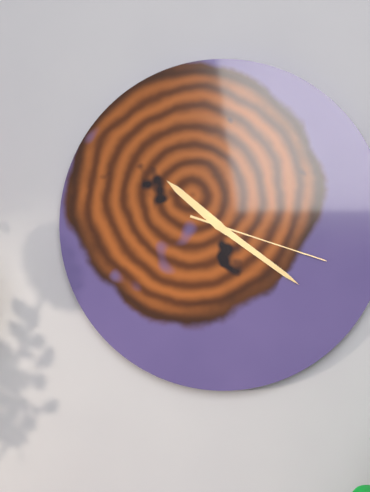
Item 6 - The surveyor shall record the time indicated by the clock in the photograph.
10:21:18
